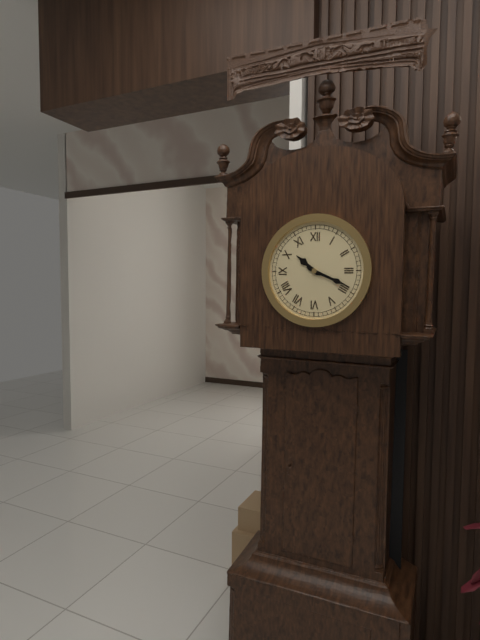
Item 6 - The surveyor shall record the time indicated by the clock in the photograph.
10:19
